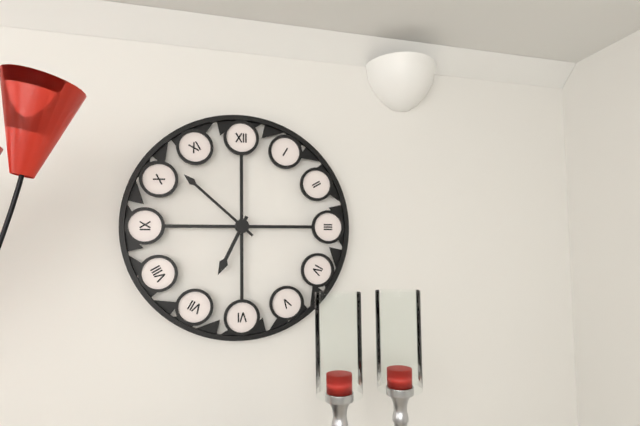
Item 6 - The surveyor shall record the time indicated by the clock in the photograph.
6:52
